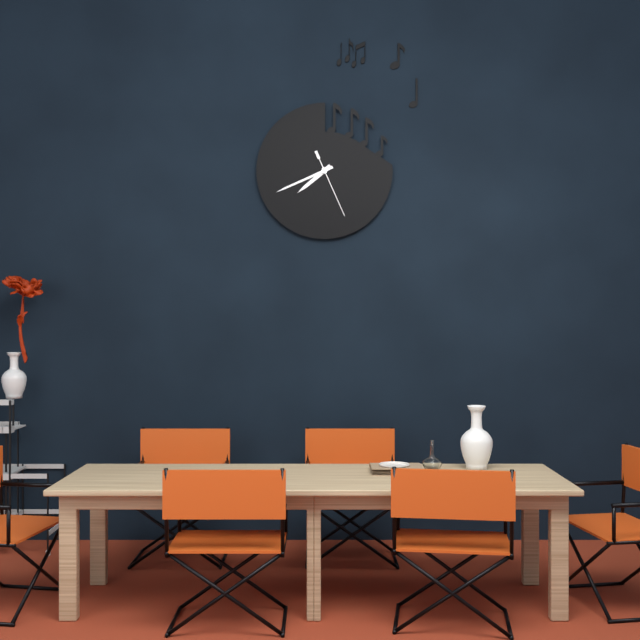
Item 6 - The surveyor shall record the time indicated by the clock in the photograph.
7:41:26
